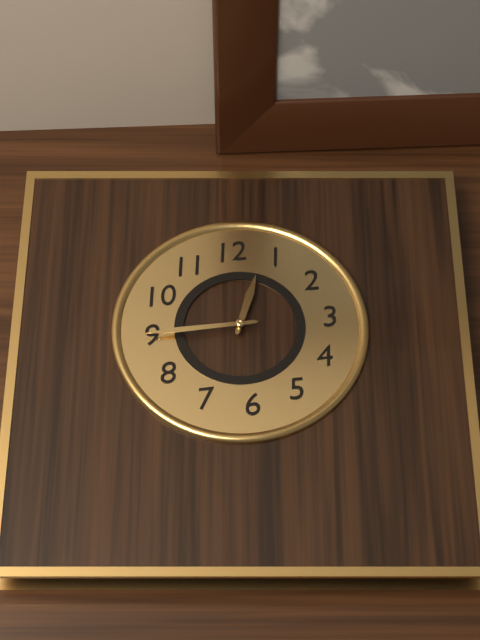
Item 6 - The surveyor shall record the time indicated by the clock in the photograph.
12:45
